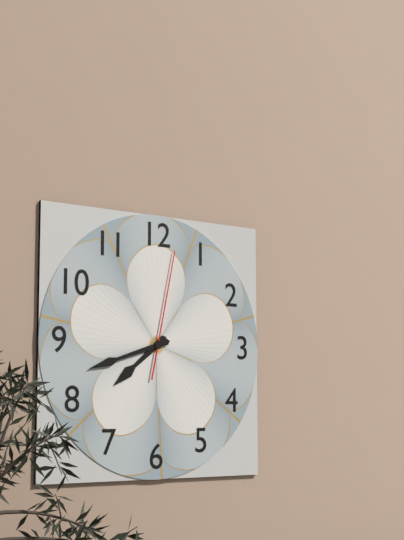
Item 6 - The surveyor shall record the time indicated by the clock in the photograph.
7:42:02
